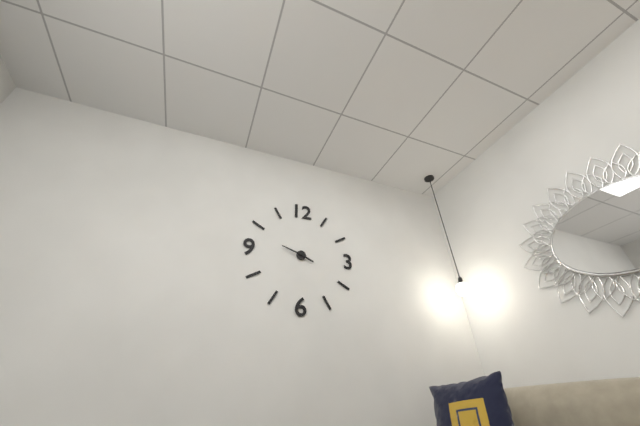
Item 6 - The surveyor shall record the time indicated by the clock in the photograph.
3:48
